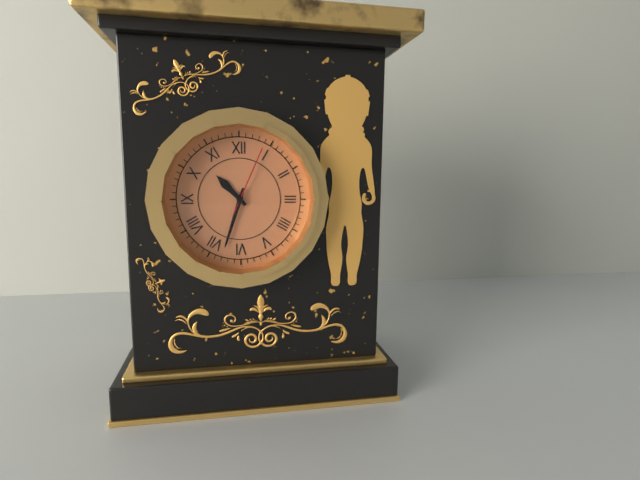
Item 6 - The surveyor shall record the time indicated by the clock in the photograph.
10:33:04
